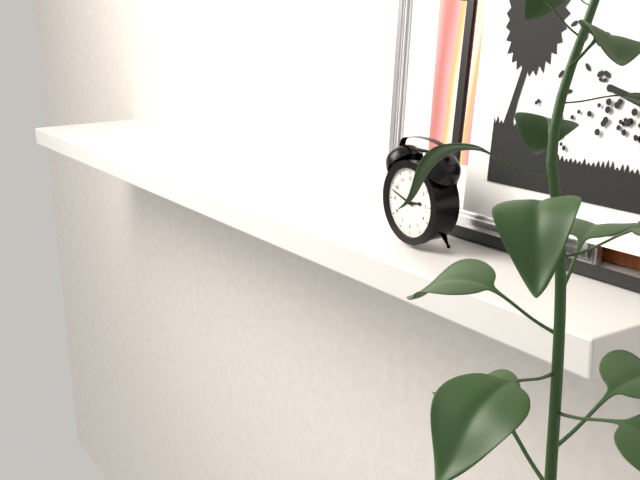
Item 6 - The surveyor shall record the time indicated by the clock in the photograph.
2:48
